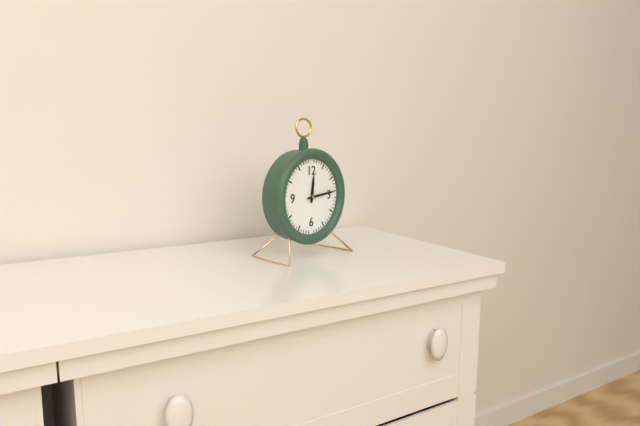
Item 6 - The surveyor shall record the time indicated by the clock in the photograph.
12:14
